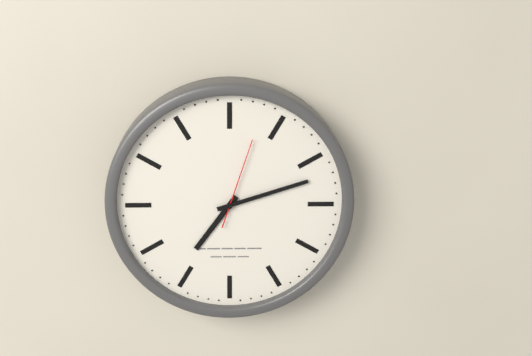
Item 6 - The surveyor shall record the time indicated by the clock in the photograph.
7:12:03
